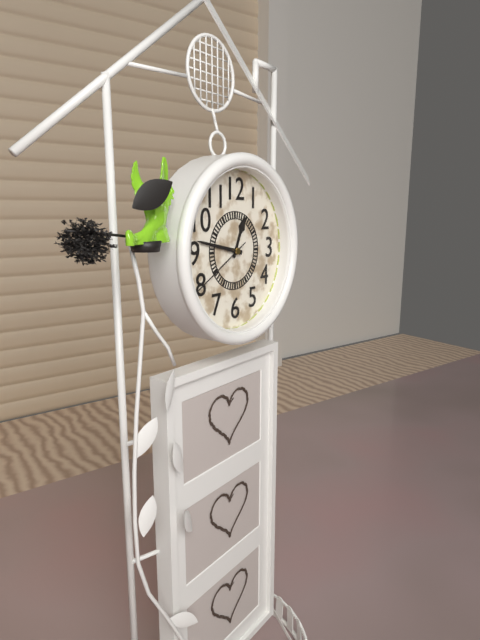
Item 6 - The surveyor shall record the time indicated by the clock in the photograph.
12:47:40
